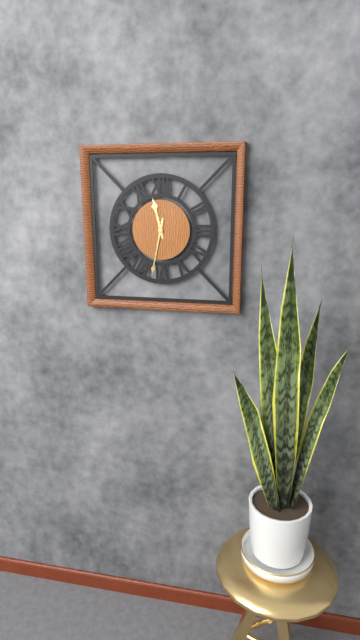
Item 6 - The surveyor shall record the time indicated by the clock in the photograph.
11:32
